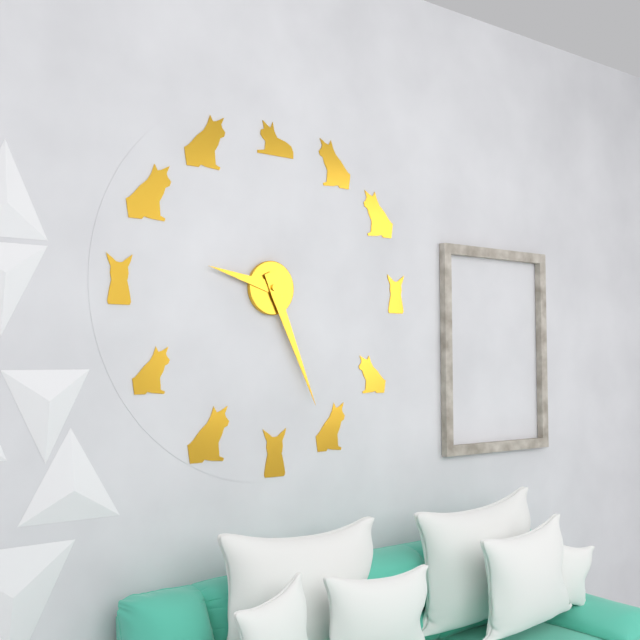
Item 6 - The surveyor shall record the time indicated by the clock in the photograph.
9:26
